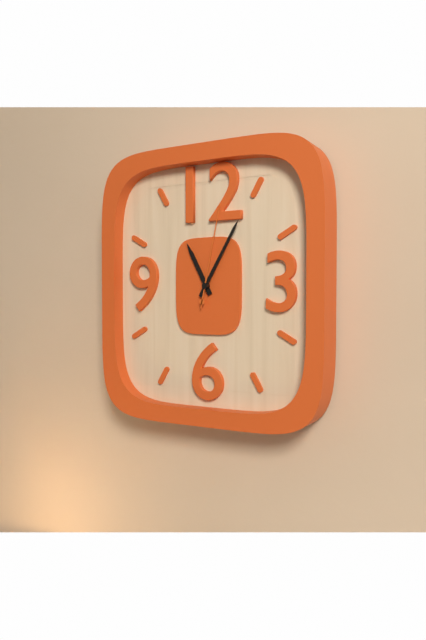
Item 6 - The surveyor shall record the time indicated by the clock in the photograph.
11:05:02
